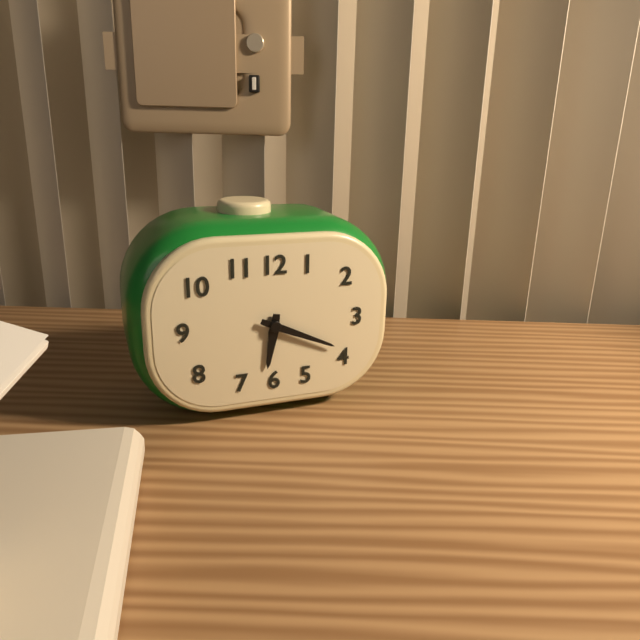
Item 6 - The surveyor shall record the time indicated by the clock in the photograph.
6:19
